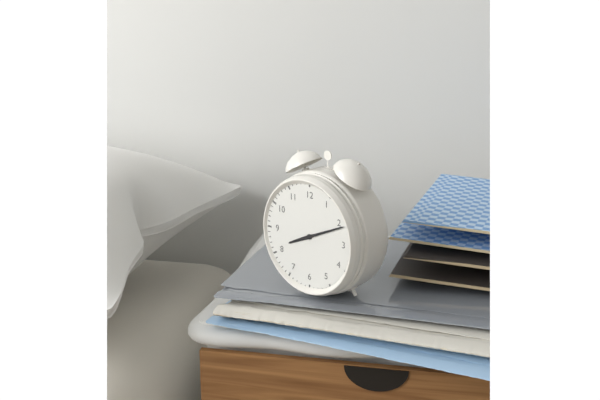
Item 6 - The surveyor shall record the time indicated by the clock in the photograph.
8:11
